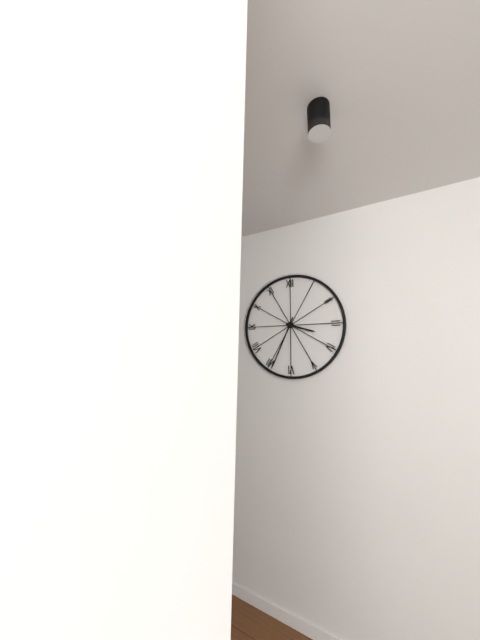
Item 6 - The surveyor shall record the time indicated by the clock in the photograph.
3:34
